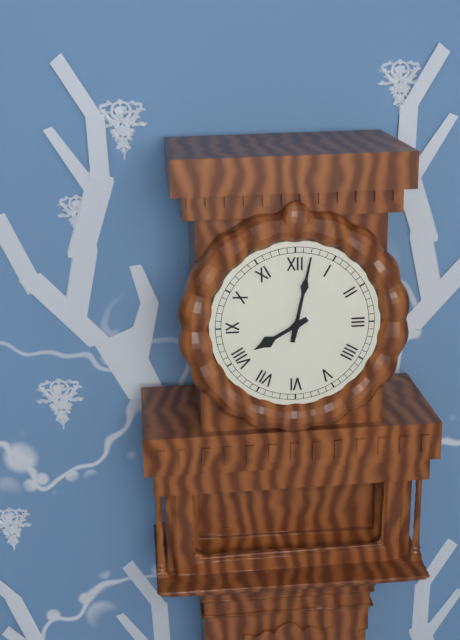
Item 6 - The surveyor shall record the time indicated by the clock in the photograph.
8:02
